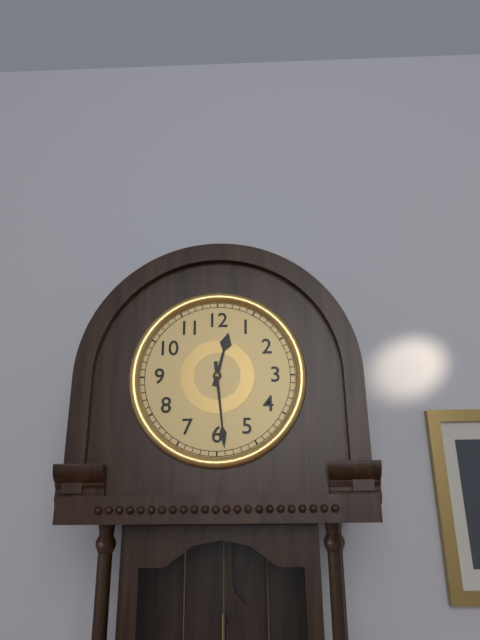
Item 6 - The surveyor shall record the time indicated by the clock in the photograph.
12:29
